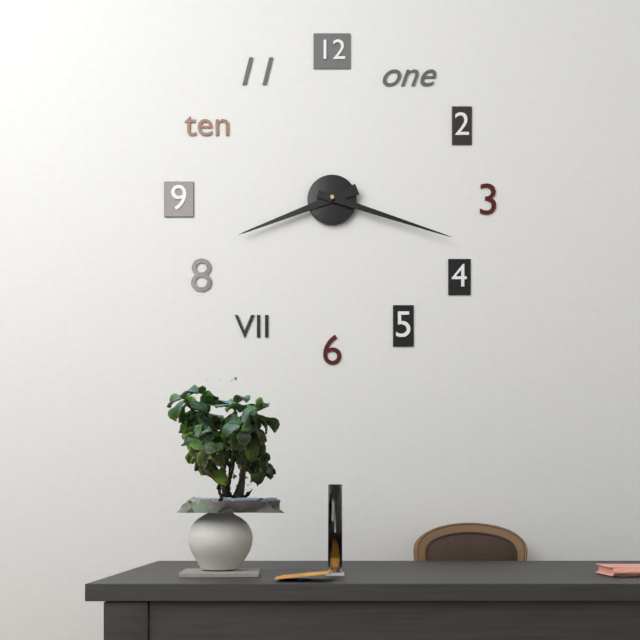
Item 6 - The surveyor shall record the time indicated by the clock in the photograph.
8:18
